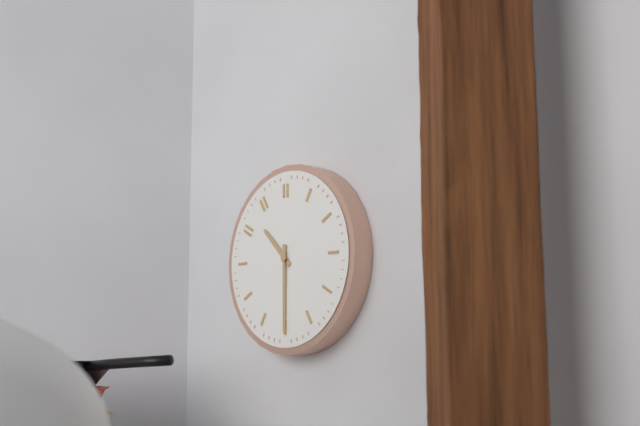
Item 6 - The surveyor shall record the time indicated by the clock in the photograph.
10:30
